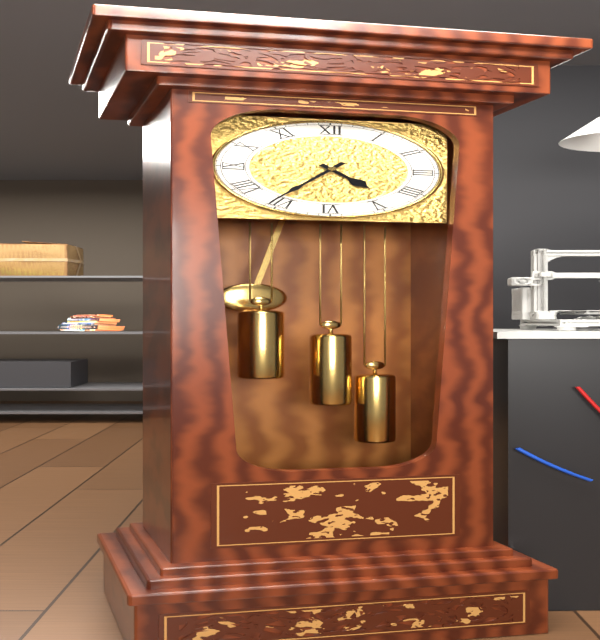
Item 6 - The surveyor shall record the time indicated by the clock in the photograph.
4:36
